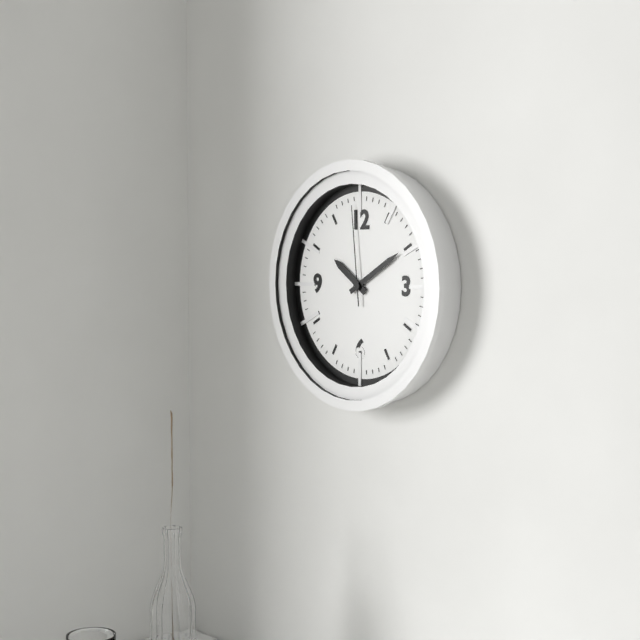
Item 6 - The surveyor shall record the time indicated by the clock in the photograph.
10:10:59
